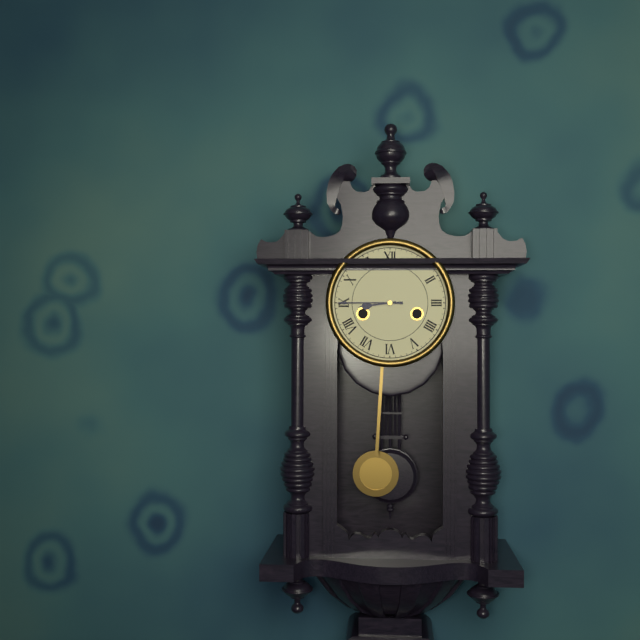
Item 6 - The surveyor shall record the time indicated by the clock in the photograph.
8:45
